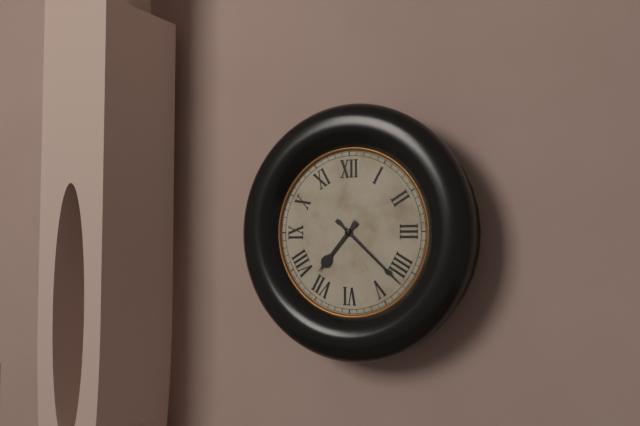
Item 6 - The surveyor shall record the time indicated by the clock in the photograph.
7:22
